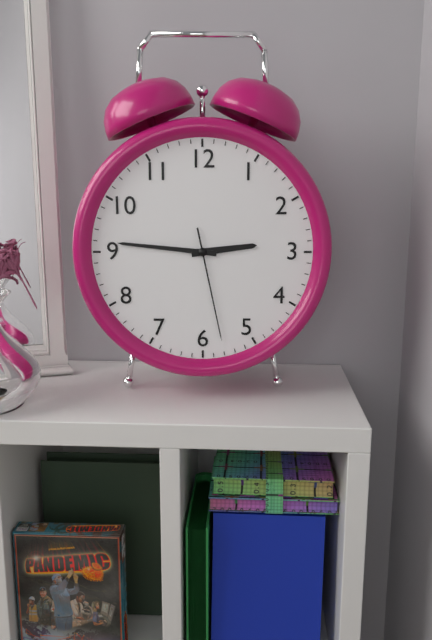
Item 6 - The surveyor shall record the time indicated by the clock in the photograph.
2:46:28
